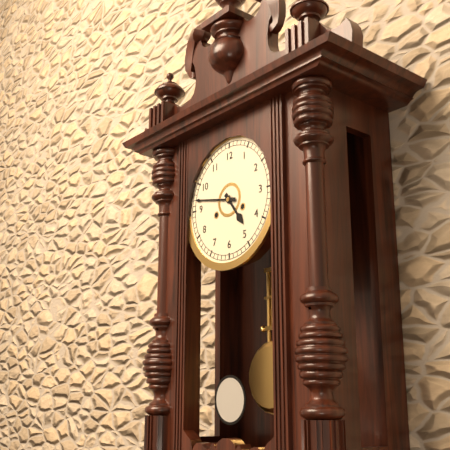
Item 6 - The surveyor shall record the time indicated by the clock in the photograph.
4:47
